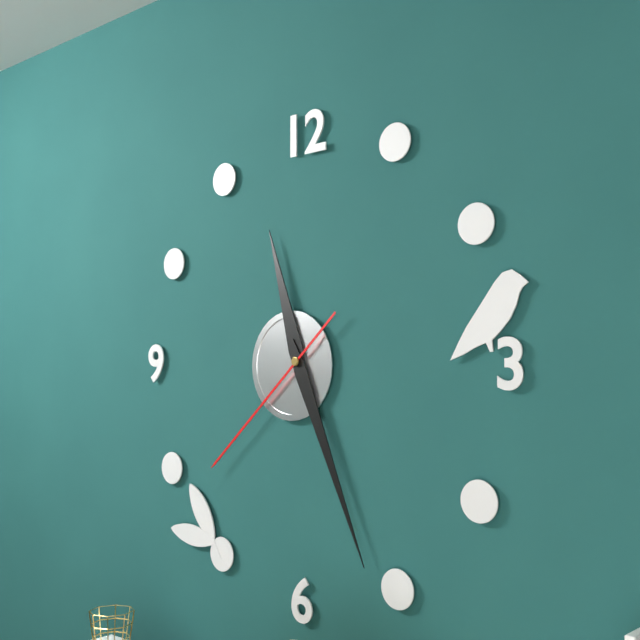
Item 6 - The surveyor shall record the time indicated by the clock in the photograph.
11:26:38
